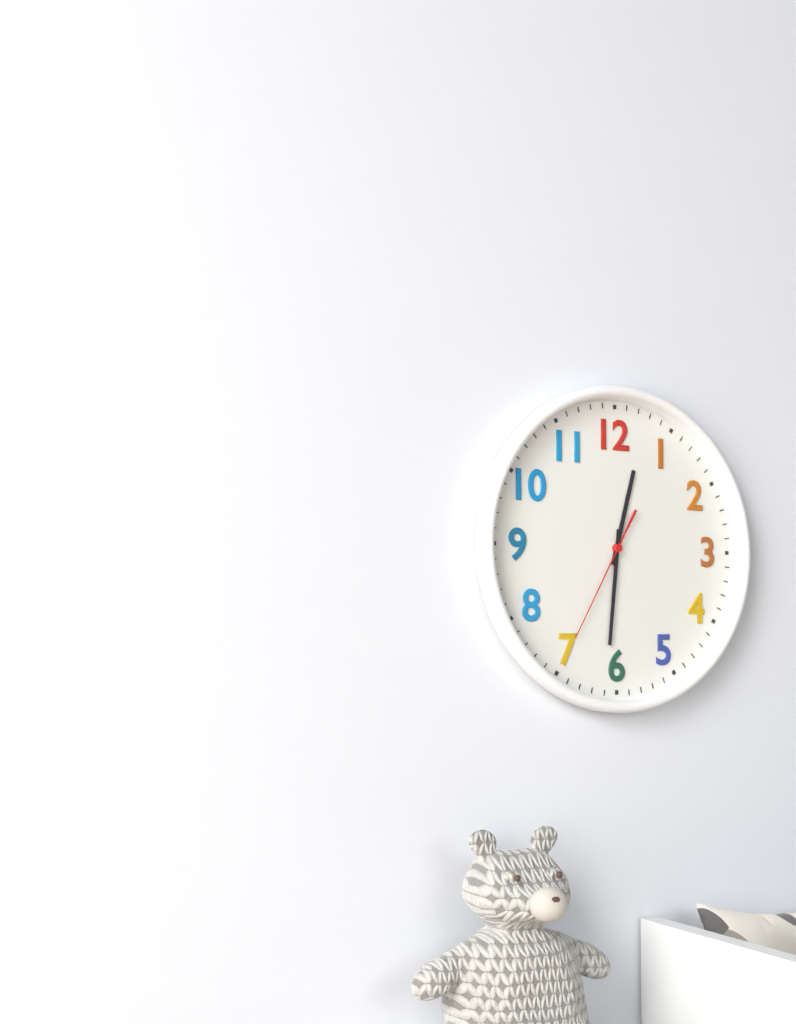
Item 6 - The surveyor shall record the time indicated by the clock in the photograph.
12:31:35
